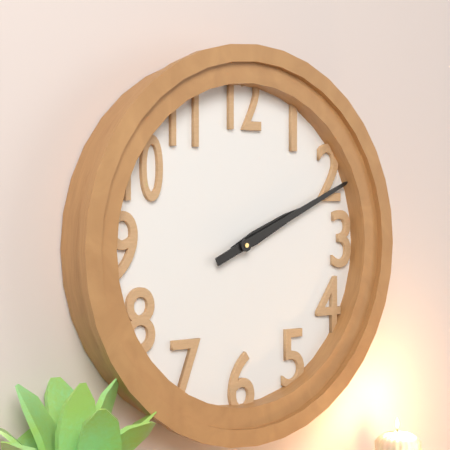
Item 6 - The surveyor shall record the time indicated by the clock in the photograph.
2:11
